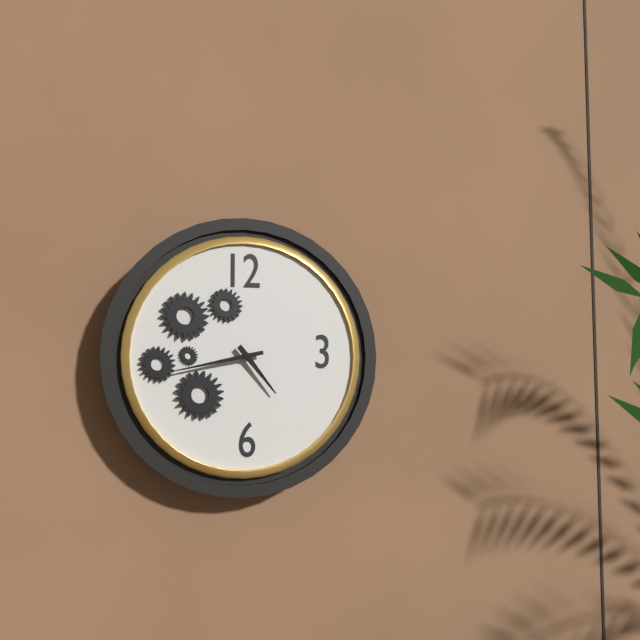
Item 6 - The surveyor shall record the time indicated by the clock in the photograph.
4:43
